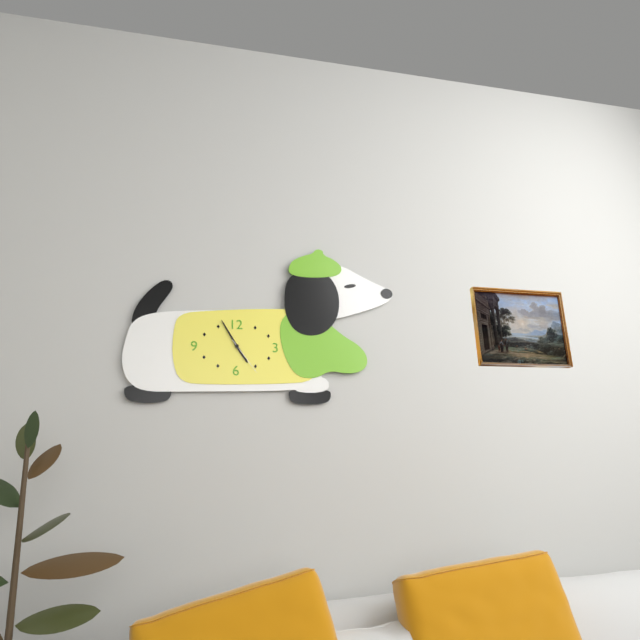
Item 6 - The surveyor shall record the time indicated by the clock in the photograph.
4:55
